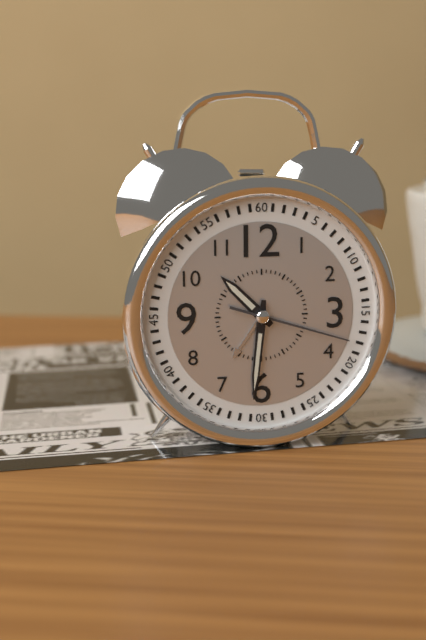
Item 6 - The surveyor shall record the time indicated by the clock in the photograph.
10:31:18
